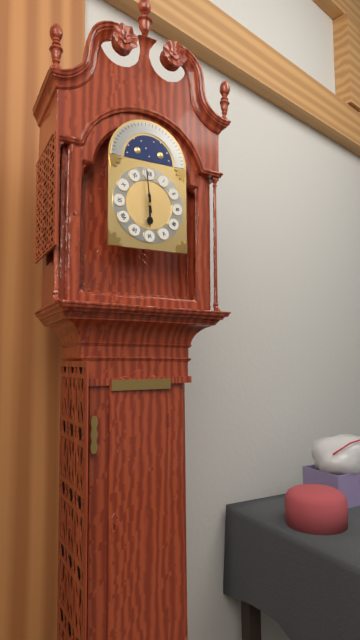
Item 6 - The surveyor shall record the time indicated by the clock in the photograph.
5:59
